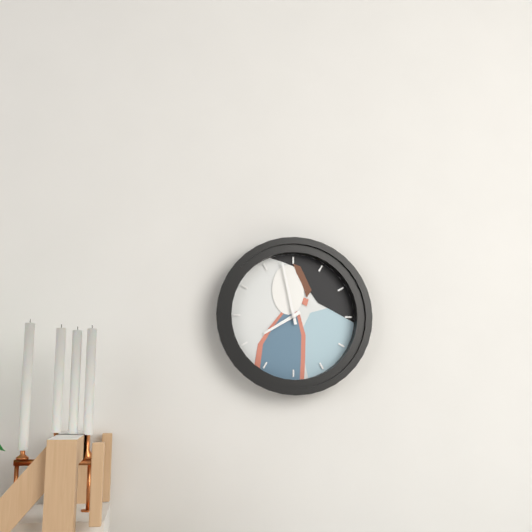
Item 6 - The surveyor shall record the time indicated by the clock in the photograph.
7:58
